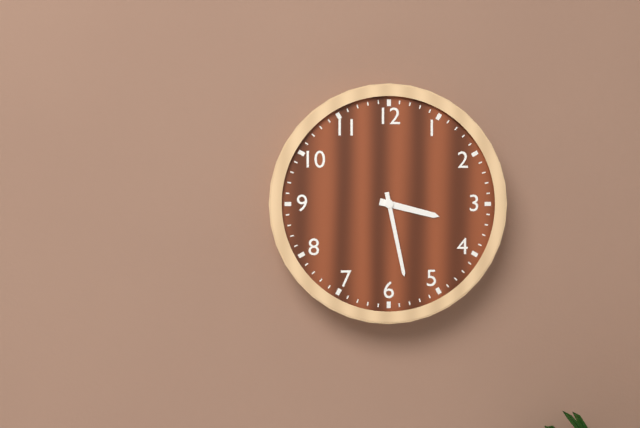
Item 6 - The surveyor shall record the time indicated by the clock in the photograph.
3:28
